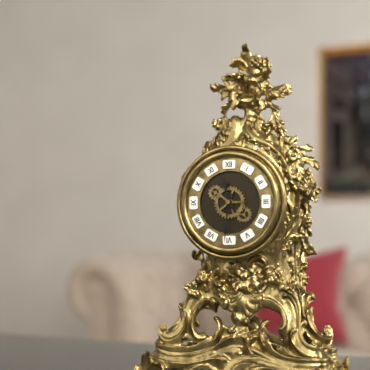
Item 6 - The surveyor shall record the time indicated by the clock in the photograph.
11:31
